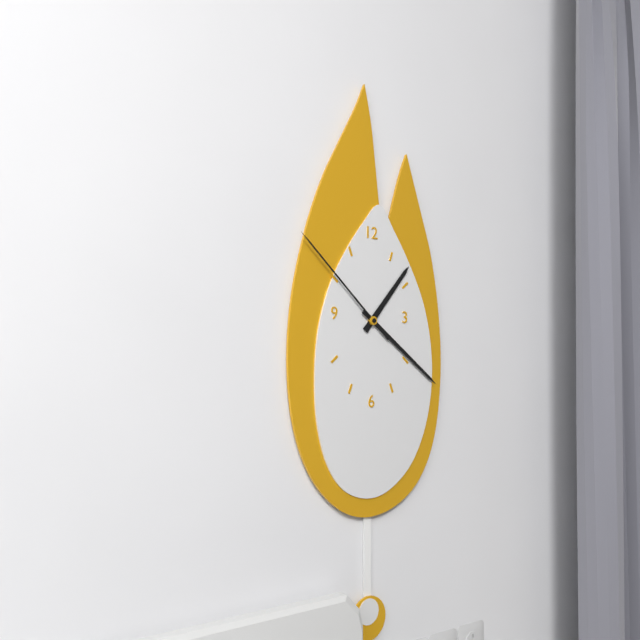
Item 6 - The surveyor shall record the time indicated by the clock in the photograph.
1:21:52
